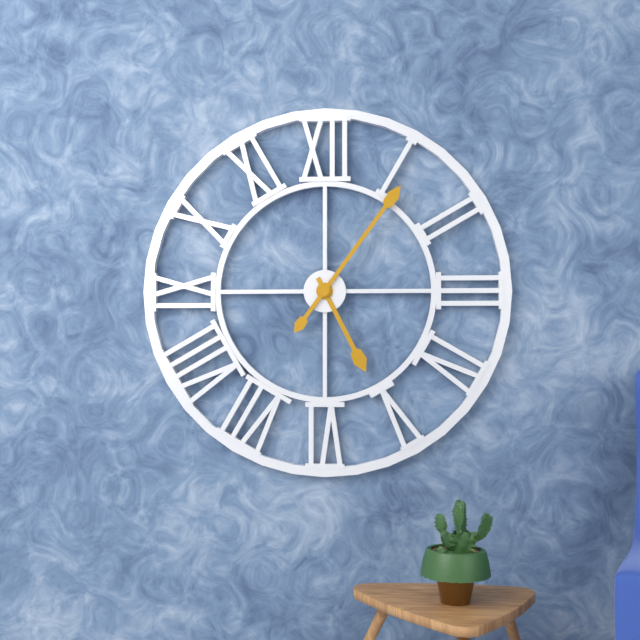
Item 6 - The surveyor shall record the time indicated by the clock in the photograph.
5:06
